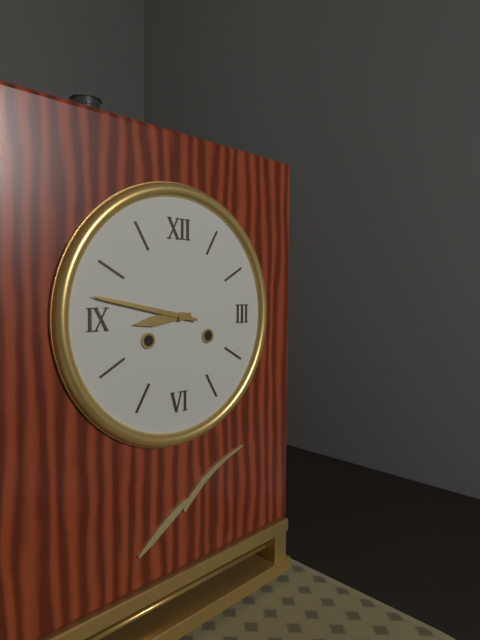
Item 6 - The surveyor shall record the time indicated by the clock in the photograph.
8:47
